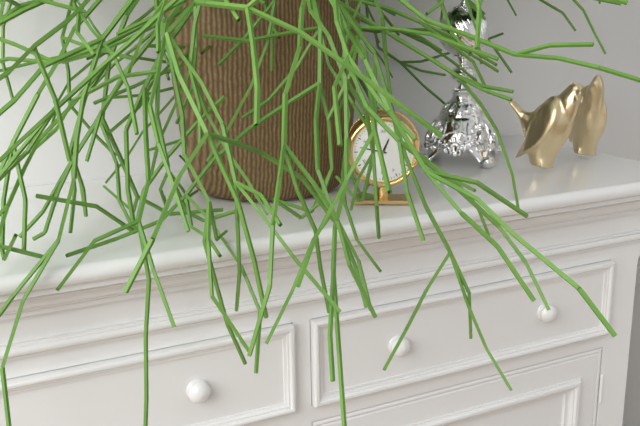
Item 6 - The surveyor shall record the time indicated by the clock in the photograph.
12:47
